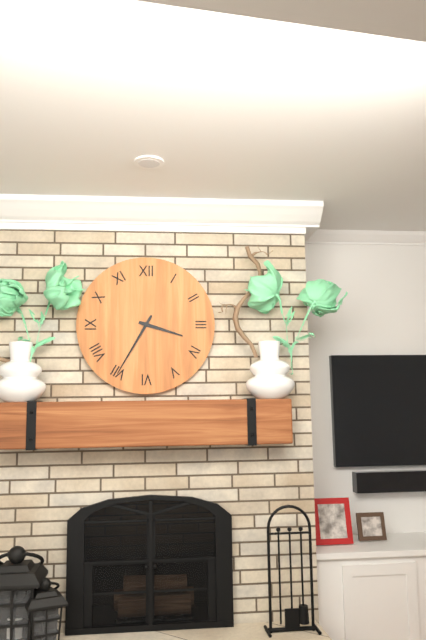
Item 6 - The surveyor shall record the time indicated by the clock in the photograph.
3:35
